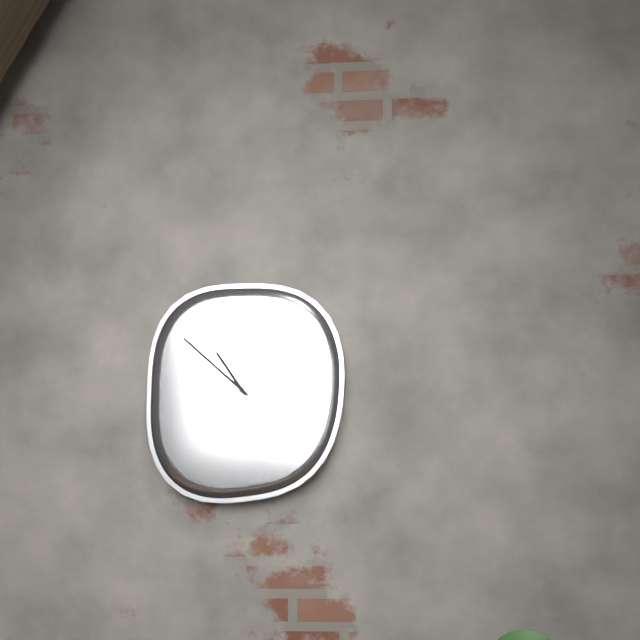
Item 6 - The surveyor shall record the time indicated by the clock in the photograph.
10:52
